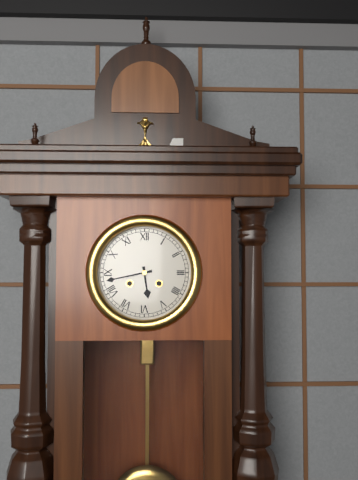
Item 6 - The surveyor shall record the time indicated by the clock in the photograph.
5:43
